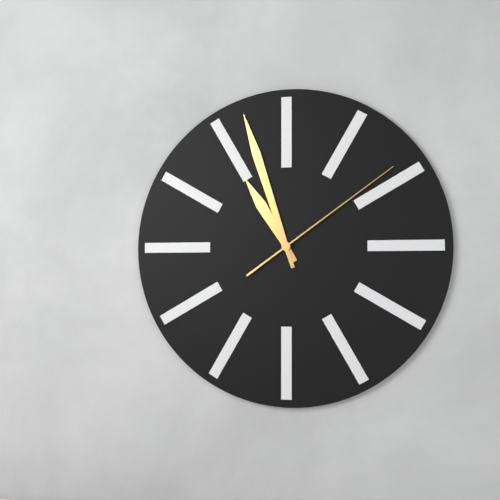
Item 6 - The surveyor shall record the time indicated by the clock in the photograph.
10:57:09
